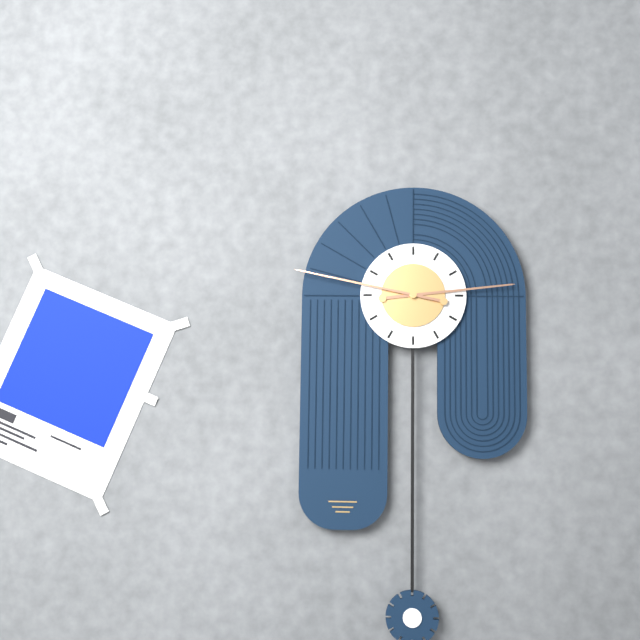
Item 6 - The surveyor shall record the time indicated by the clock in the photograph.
2:47
